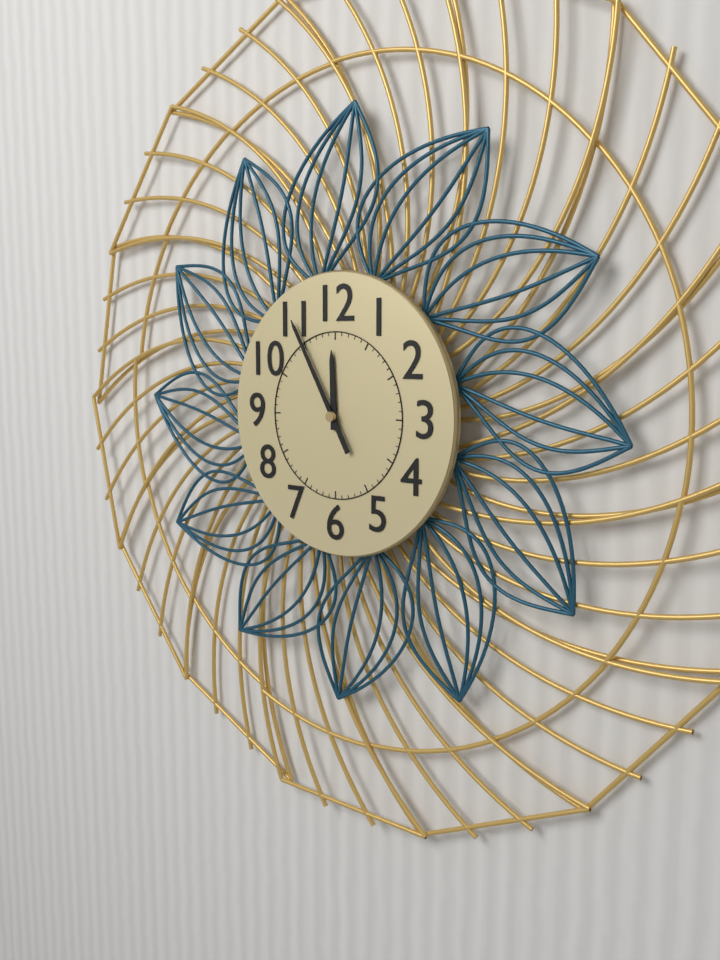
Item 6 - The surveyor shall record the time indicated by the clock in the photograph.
11:55
